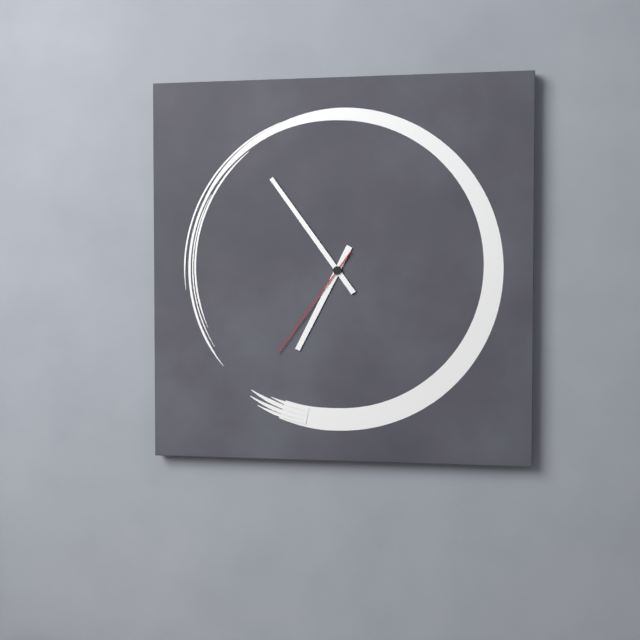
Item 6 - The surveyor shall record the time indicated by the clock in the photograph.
6:54:36
